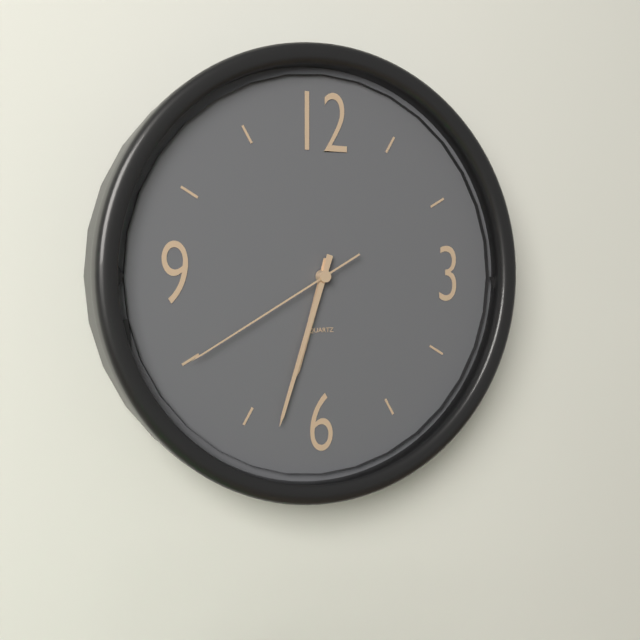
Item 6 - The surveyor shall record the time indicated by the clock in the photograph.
6:33:40
